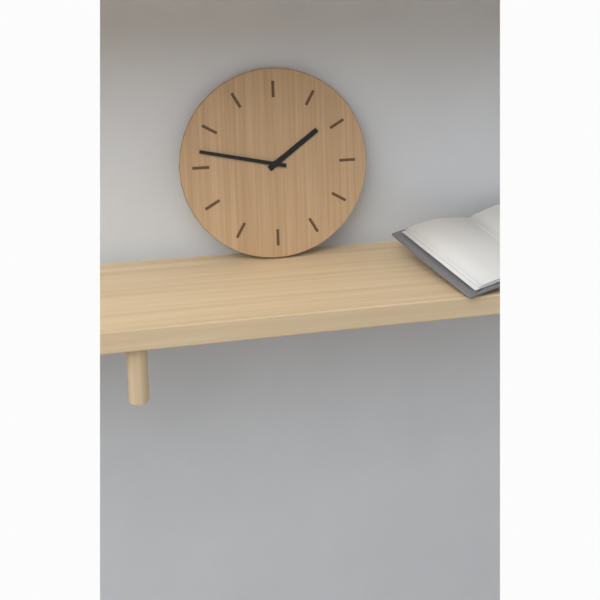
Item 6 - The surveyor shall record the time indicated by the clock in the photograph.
1:47
